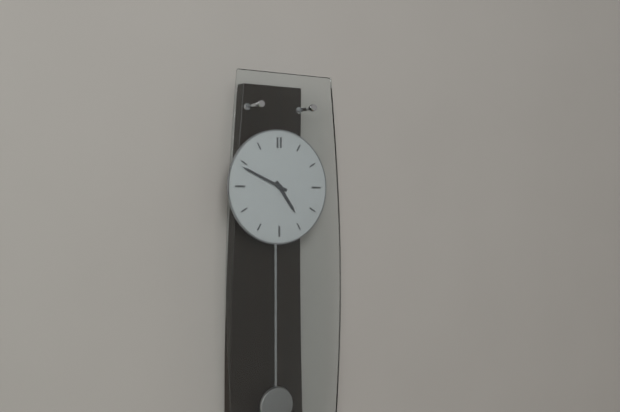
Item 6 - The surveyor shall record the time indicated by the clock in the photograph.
4:49
